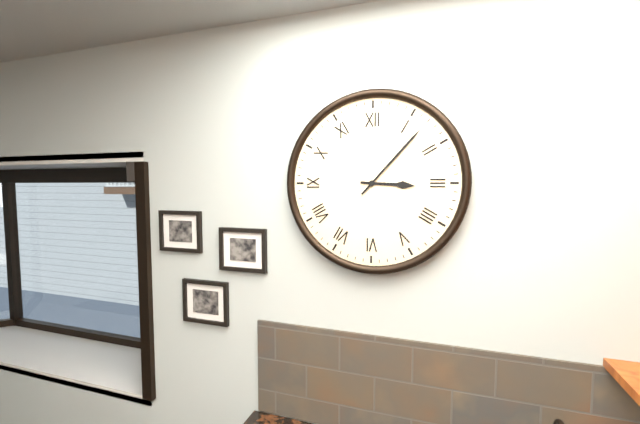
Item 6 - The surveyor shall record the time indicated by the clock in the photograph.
3:07
